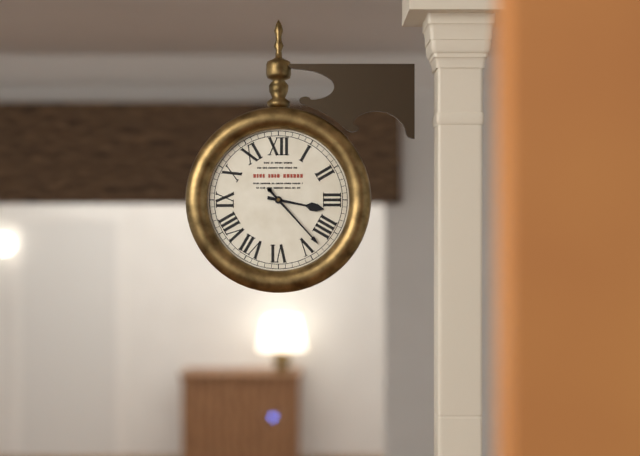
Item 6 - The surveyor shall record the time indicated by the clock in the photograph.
3:23
